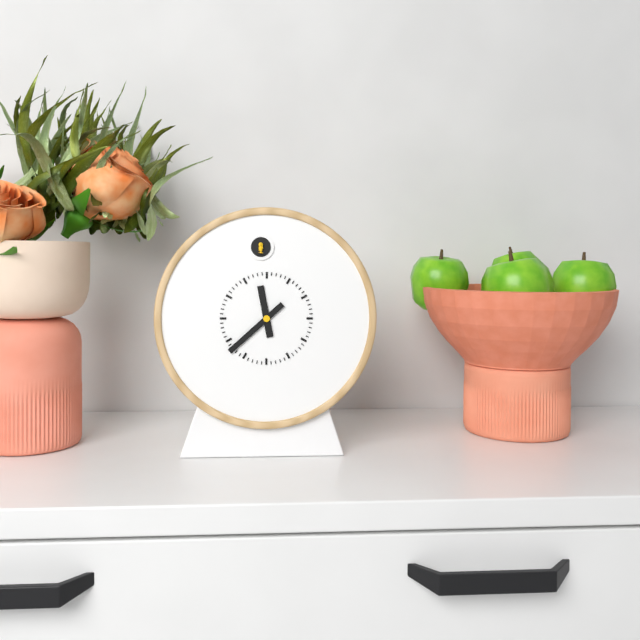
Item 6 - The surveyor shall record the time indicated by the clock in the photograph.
11:38
